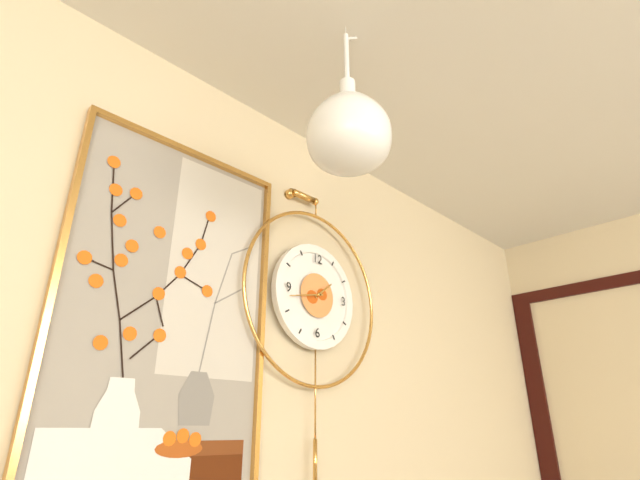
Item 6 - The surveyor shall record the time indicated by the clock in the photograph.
1:43
